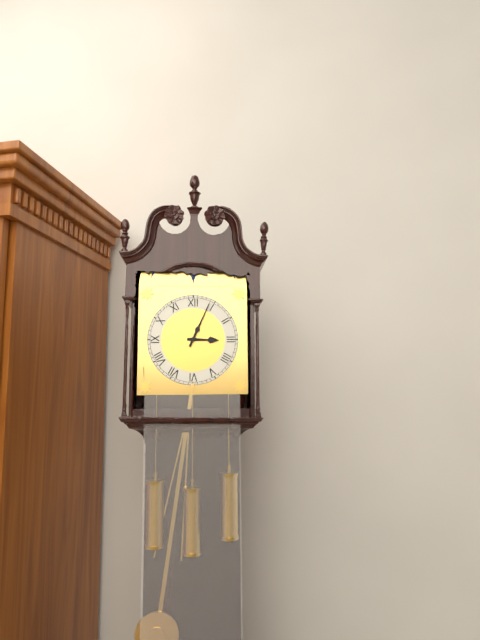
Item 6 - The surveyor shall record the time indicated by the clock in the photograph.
3:04
